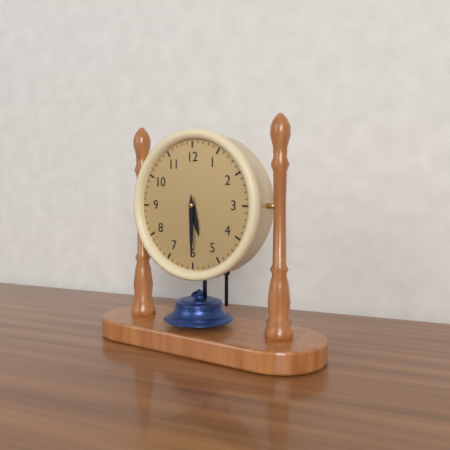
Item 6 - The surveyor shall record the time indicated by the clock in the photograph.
5:30
